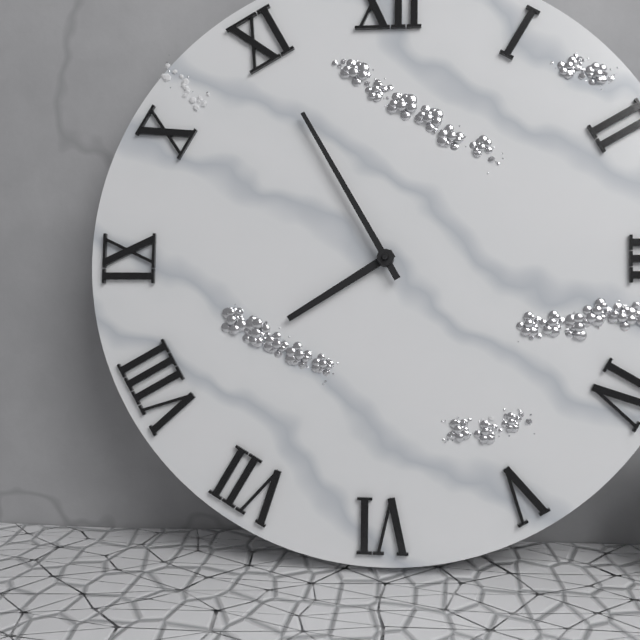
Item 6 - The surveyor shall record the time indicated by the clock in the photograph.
7:55
